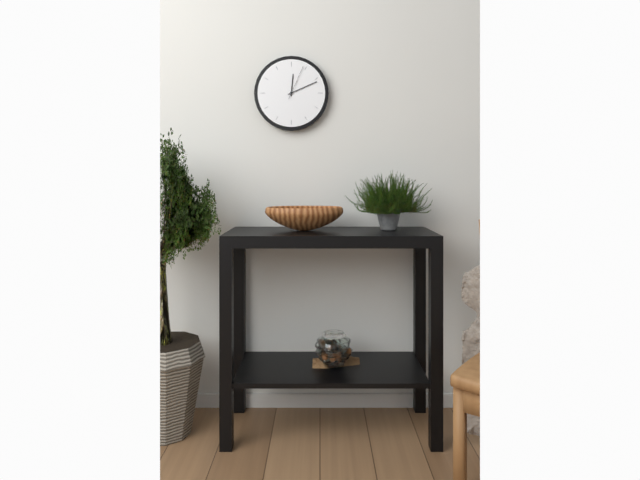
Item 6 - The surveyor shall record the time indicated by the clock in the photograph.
12:11
